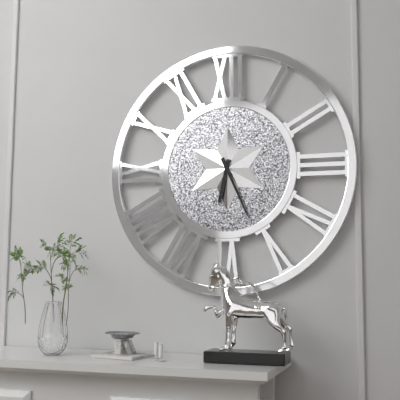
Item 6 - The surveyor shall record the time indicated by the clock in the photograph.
6:26
